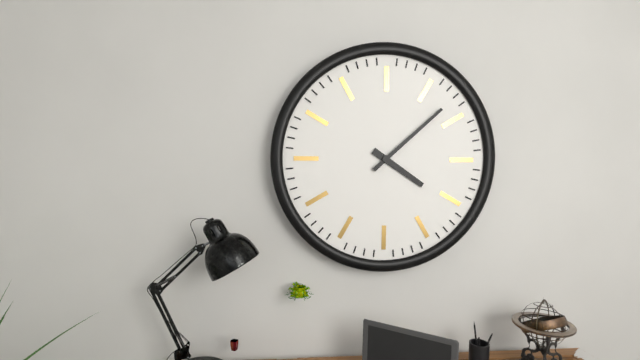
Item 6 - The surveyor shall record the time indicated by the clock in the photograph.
4:08
